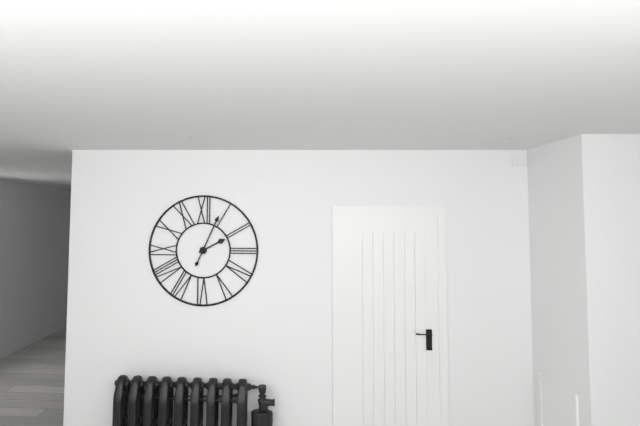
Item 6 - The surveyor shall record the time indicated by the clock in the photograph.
2:04
